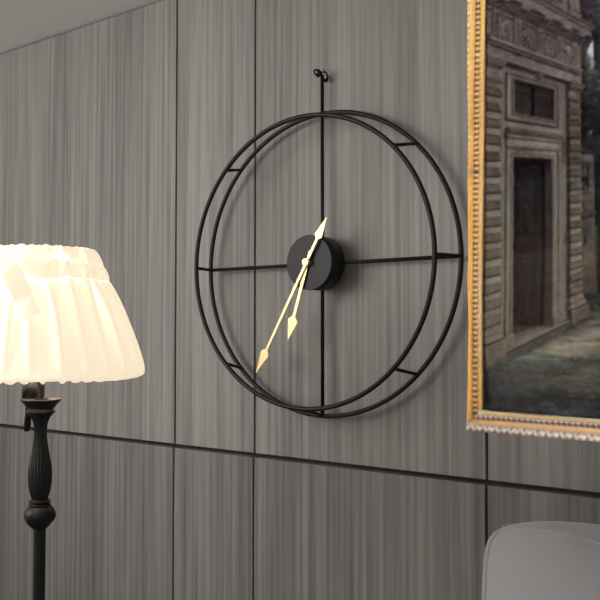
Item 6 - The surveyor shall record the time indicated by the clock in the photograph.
6:35
